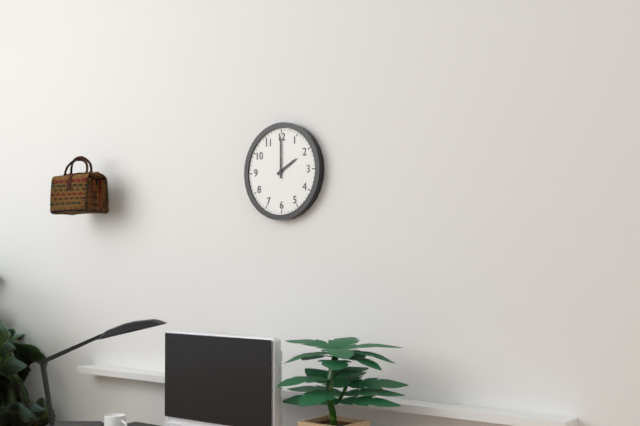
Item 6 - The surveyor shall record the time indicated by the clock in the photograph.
2:00
